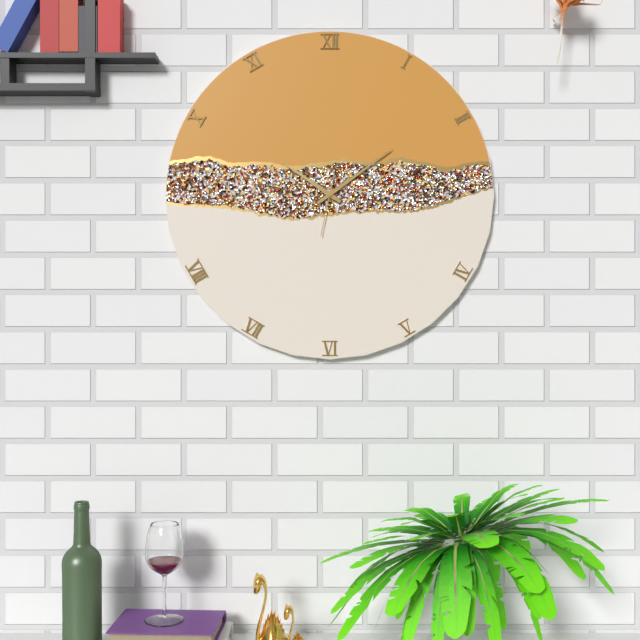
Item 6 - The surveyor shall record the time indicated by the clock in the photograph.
10:09:32
